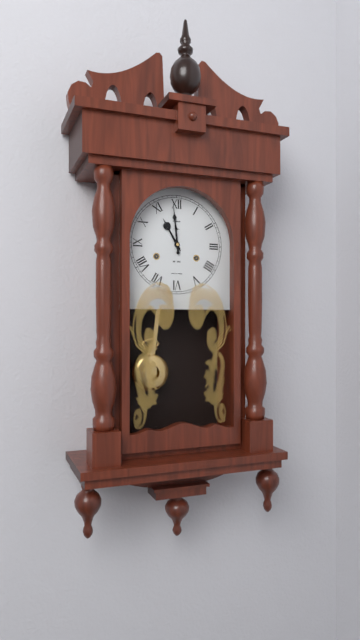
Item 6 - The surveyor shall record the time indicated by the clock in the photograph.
10:59
